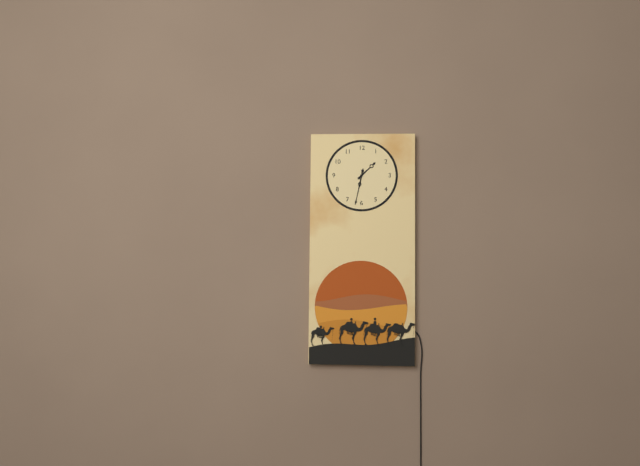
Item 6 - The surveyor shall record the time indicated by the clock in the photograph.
1:32
